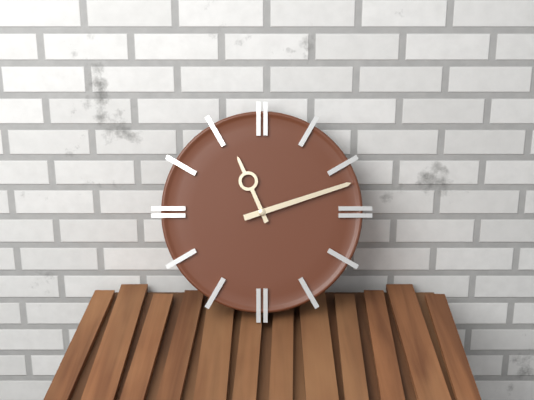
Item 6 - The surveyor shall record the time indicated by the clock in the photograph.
11:12
